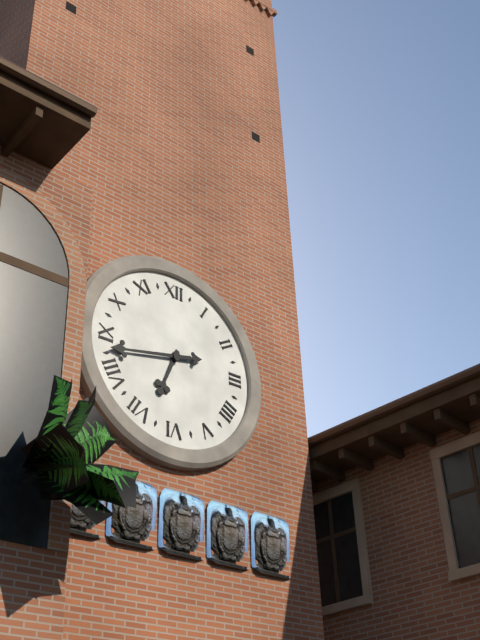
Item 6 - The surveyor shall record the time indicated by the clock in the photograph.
6:43
